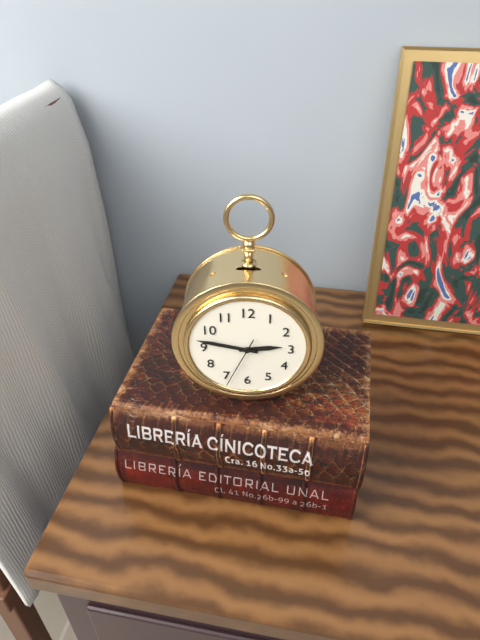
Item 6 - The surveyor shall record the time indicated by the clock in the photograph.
2:47
